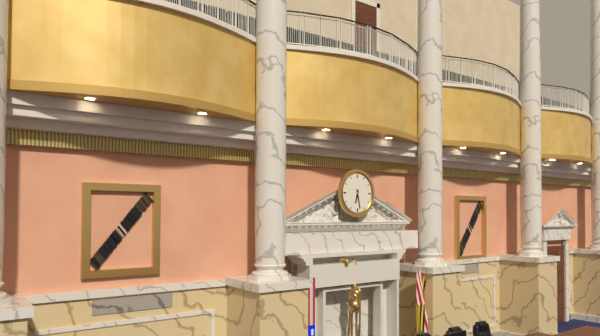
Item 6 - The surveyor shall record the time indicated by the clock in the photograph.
6:28
